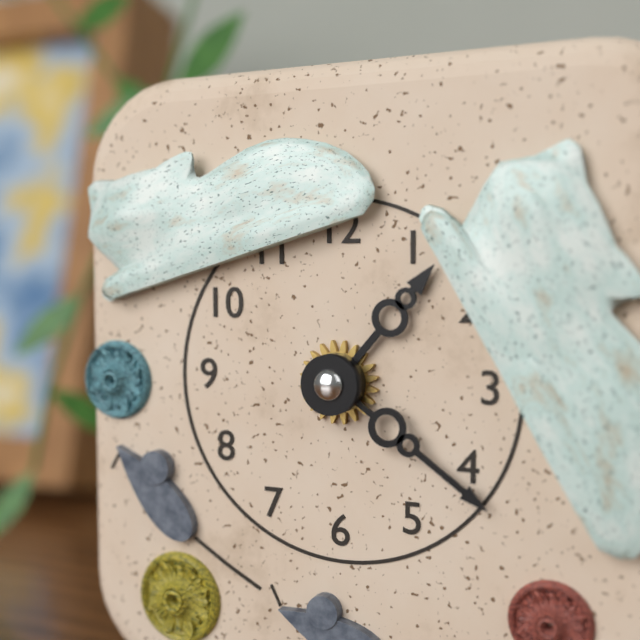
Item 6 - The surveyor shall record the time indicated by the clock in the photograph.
1:21
